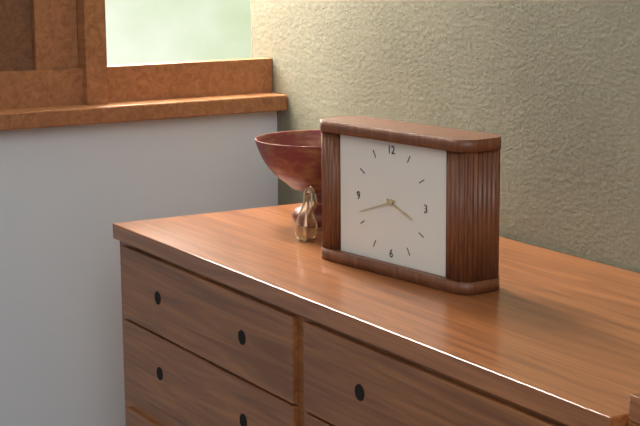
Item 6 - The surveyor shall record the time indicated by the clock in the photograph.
3:42
